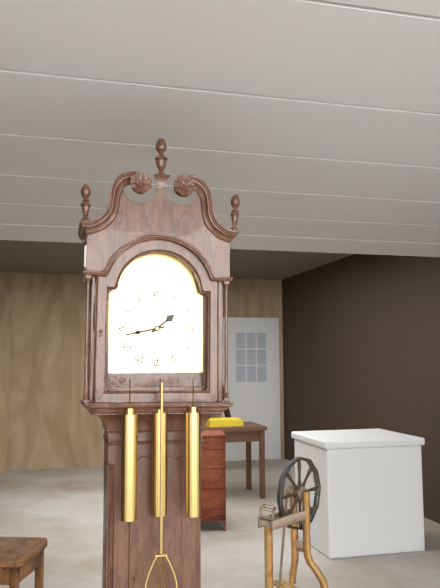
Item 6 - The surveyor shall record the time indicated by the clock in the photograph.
1:43
